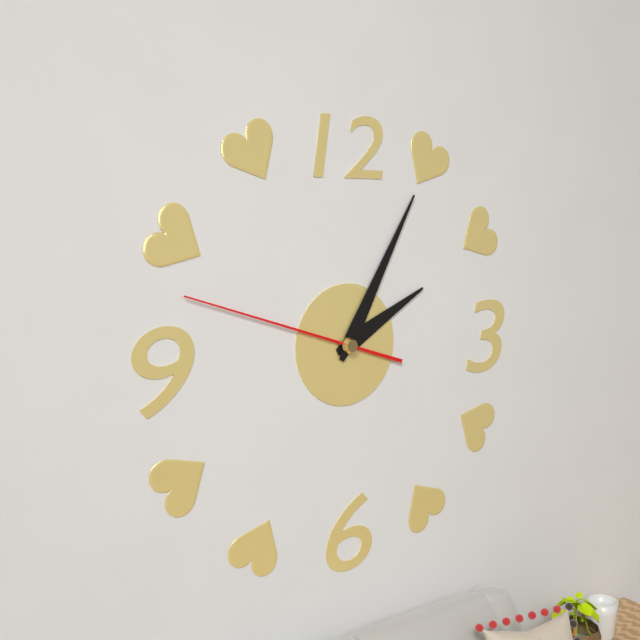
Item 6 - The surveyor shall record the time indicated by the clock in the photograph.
2:05:48
